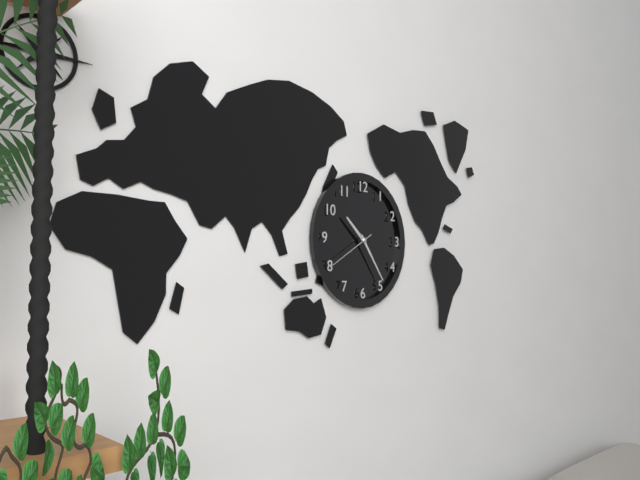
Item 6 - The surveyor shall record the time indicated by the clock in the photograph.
10:24:40
